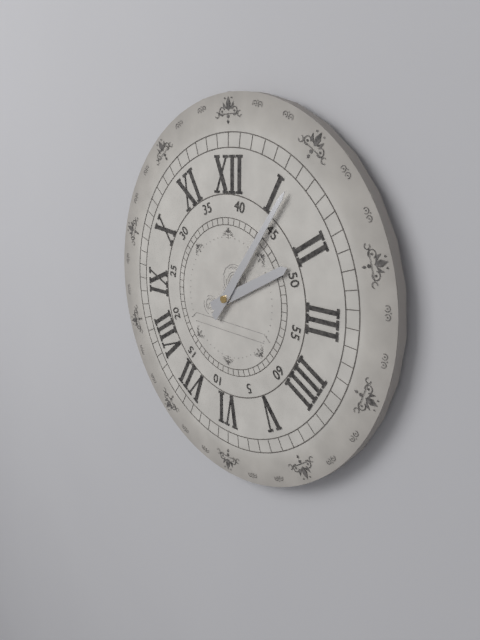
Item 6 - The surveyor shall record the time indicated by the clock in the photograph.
2:06
